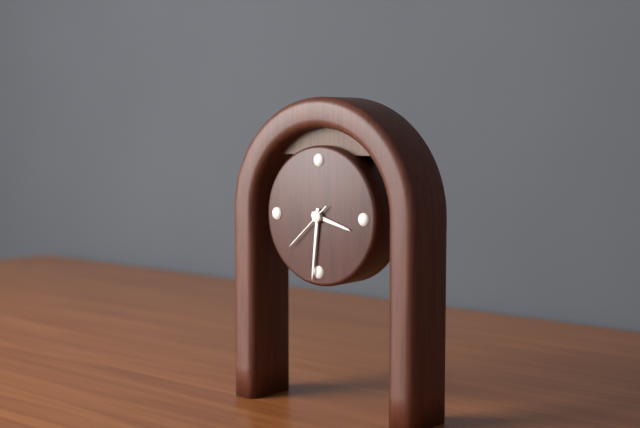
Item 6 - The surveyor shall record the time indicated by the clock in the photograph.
3:31:38
